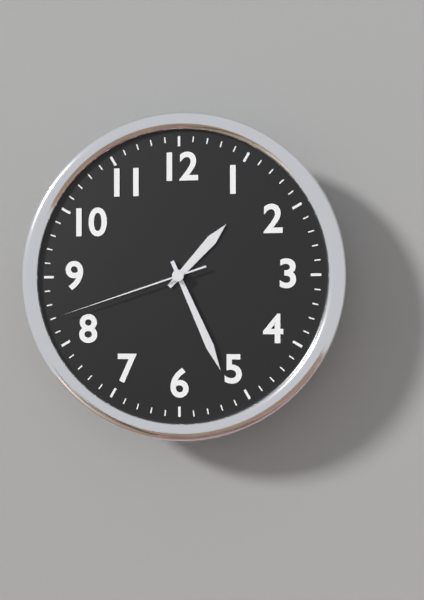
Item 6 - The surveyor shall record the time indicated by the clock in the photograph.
1:26:42
